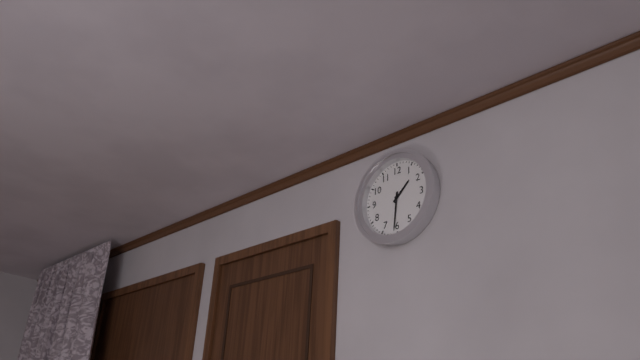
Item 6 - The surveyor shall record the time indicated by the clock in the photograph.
1:31
